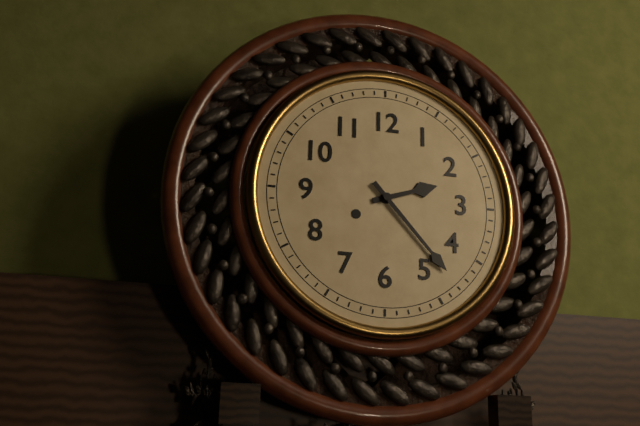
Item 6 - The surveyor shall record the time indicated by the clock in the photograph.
2:23
